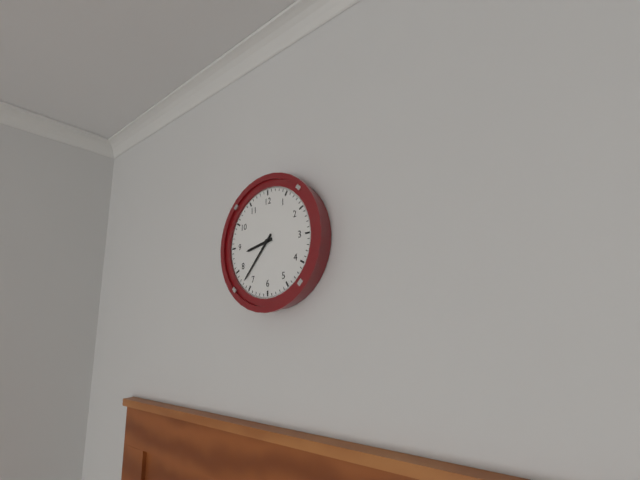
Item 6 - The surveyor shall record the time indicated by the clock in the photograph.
8:37
